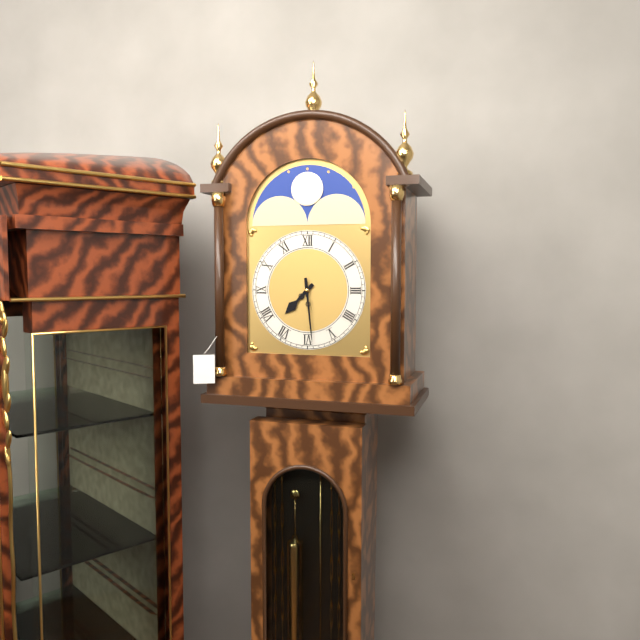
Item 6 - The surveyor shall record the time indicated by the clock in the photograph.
7:29
